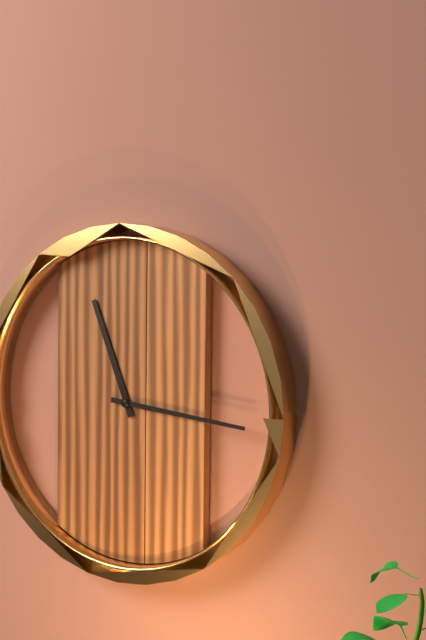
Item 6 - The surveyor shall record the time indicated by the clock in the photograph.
11:16
